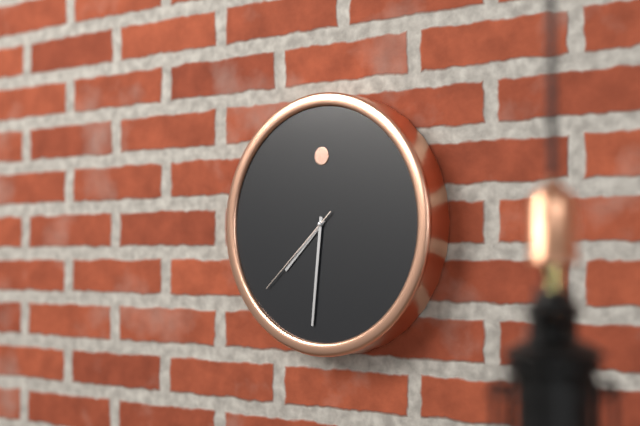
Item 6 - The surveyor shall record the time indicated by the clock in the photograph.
7:31:38
